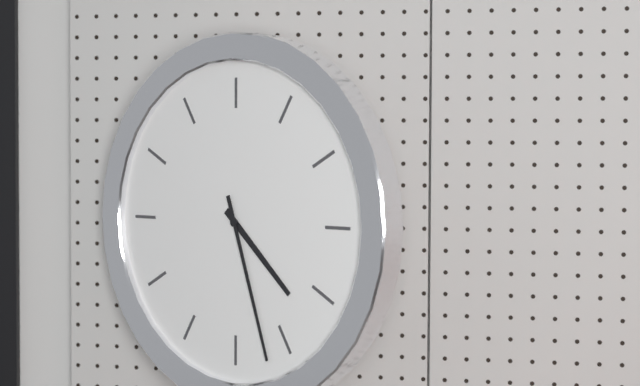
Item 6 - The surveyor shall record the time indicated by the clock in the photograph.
4:27
